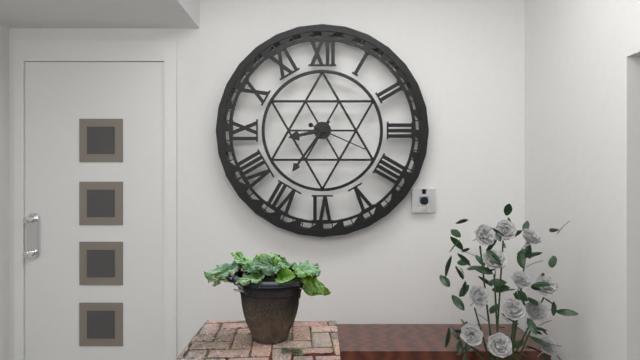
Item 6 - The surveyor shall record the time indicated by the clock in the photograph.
8:36:19
